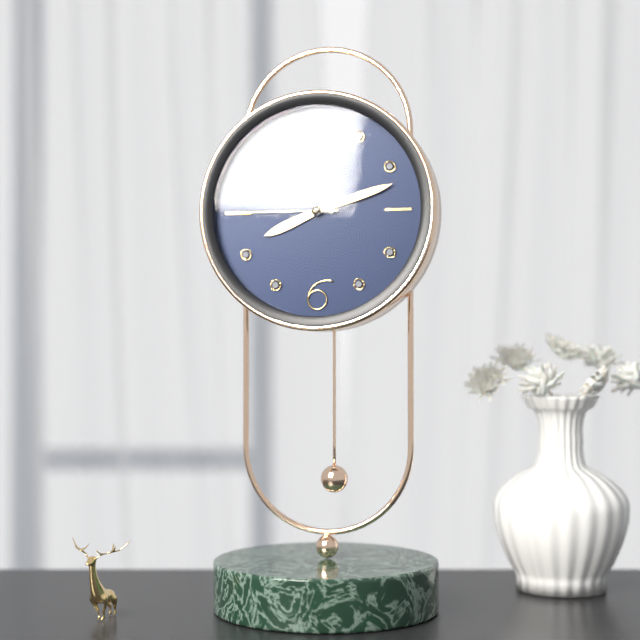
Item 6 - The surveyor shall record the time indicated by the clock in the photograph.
8:12:45
